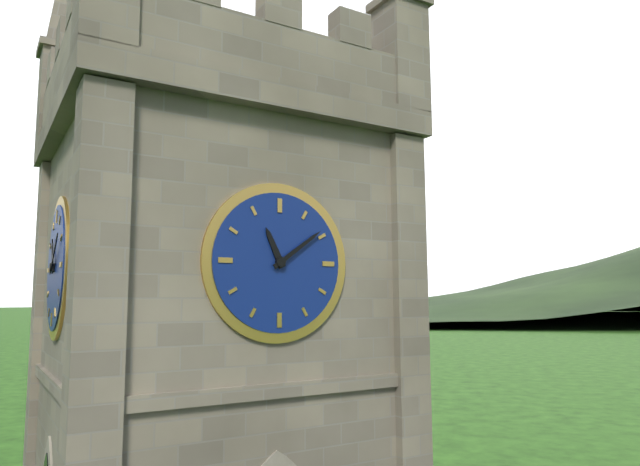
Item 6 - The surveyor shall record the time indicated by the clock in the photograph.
11:09
